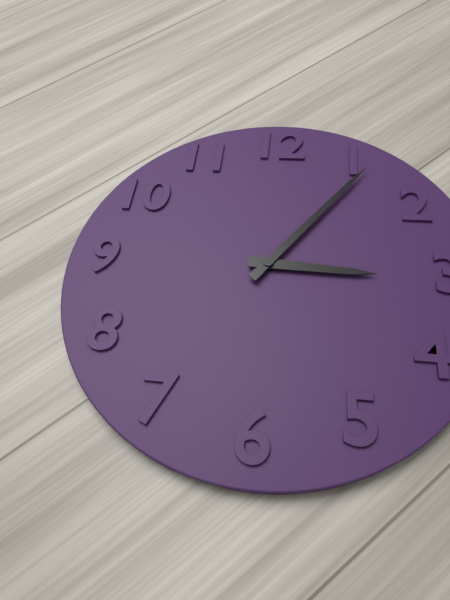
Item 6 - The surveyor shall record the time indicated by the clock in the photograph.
3:06
